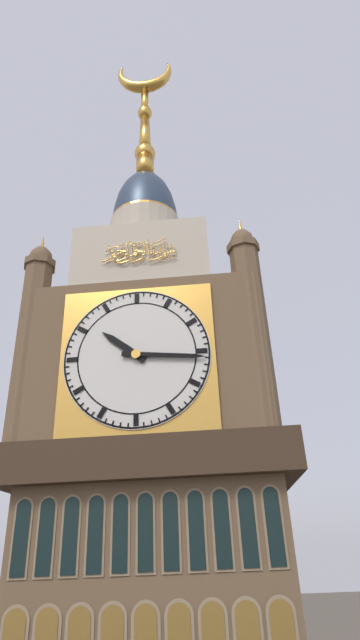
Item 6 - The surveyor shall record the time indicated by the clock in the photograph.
10:16
